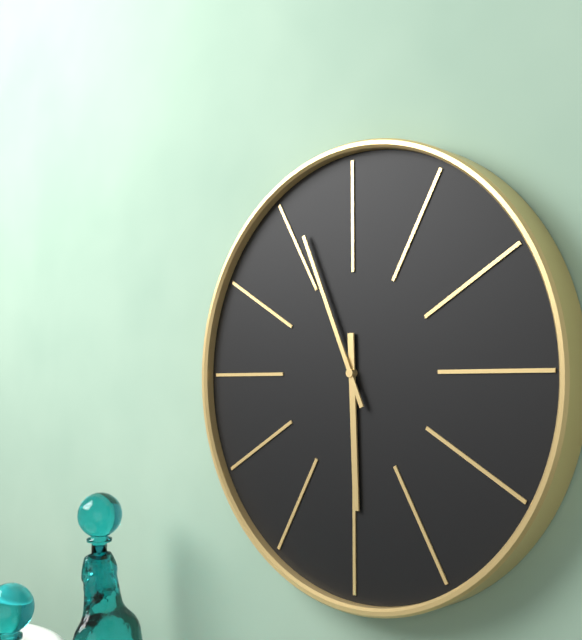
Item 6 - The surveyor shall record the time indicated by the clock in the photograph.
5:56
